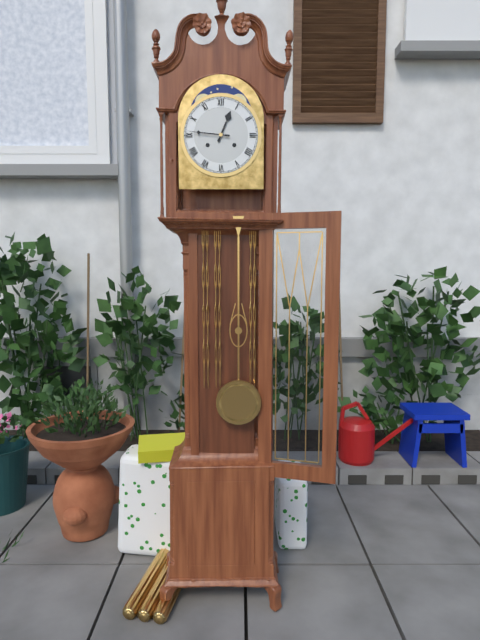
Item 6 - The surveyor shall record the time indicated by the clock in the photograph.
12:46
